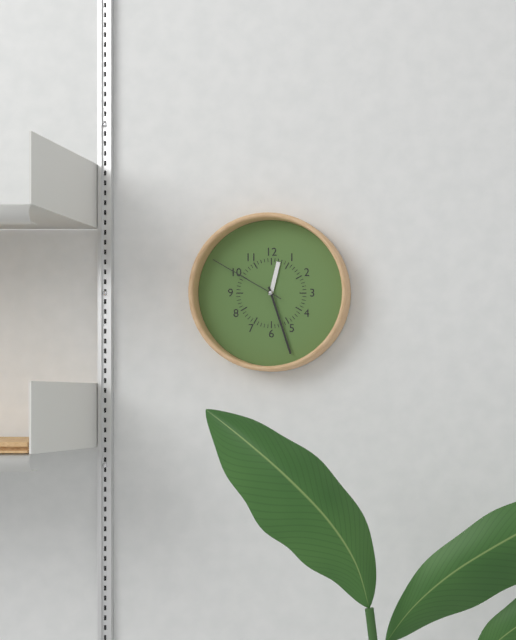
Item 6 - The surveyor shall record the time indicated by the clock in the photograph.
12:27:50
